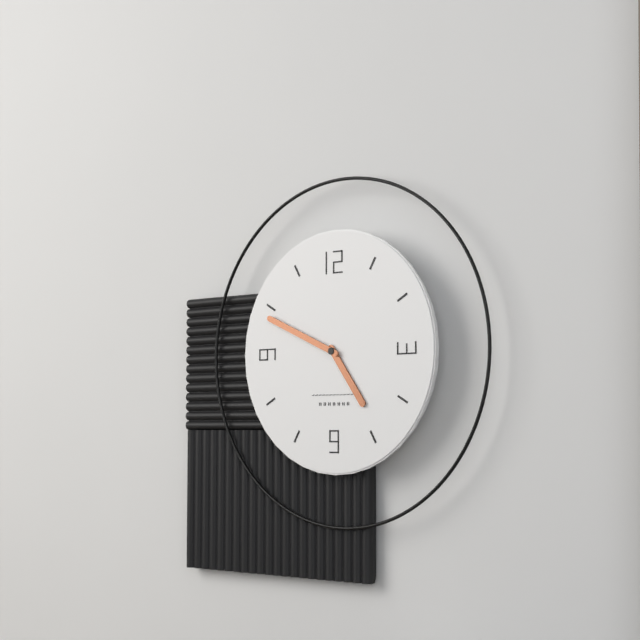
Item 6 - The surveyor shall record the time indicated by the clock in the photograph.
4:49
